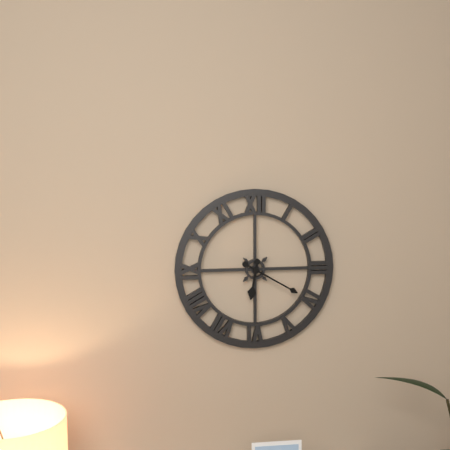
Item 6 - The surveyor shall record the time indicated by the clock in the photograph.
6:20
